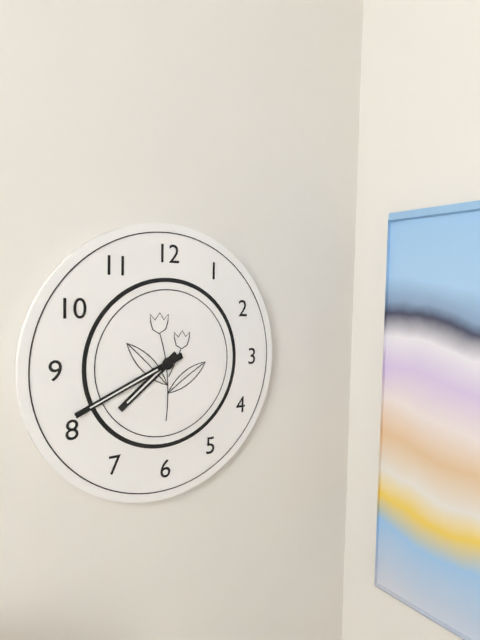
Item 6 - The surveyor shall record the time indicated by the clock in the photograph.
7:41
